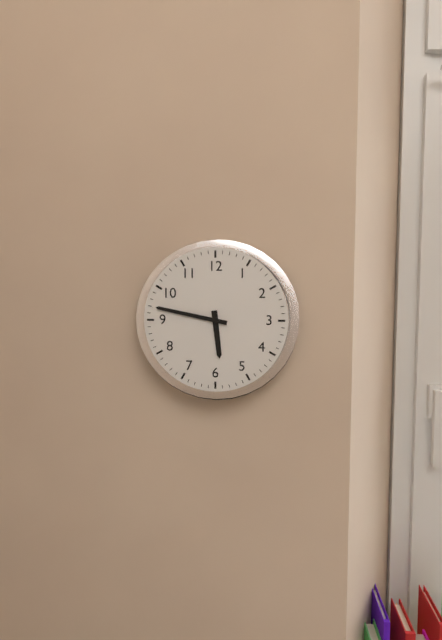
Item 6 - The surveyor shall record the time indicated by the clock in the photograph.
5:47
